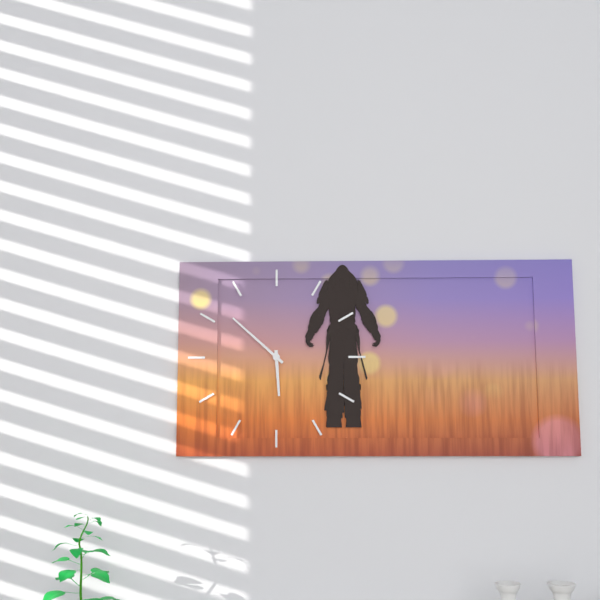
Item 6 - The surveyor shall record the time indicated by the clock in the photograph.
5:52
